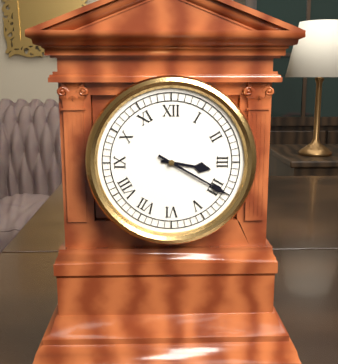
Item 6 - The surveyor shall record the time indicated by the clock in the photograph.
3:20
